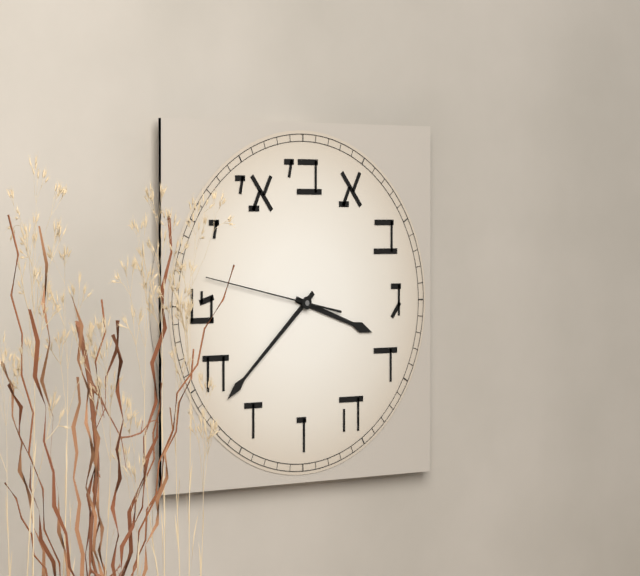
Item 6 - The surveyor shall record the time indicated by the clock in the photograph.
3:38:47
